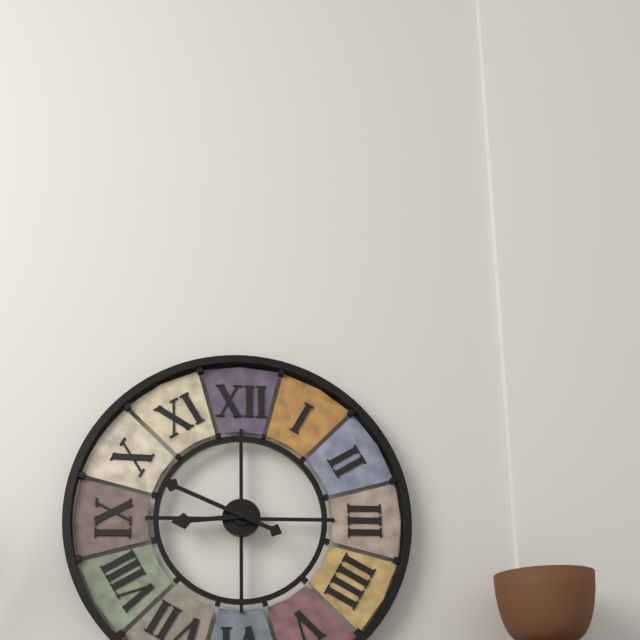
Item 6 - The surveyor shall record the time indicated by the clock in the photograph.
8:49
